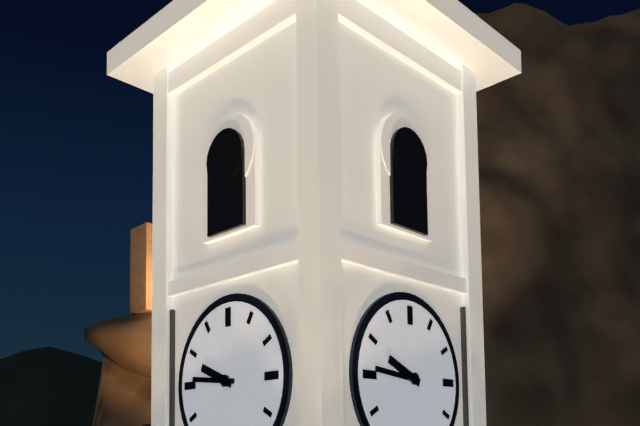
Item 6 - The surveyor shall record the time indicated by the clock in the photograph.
9:46
